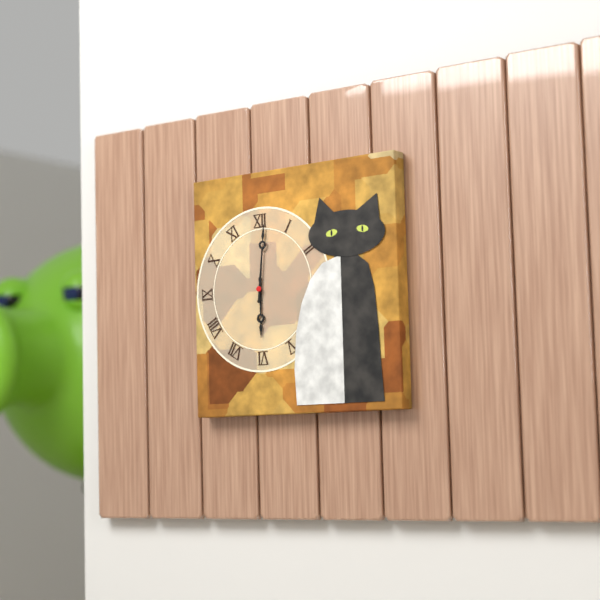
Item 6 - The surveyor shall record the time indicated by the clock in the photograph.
6:01
